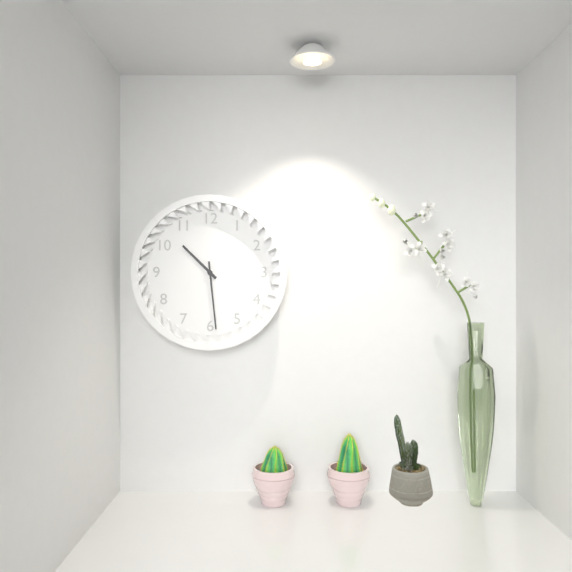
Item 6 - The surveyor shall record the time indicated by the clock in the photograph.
10:29
